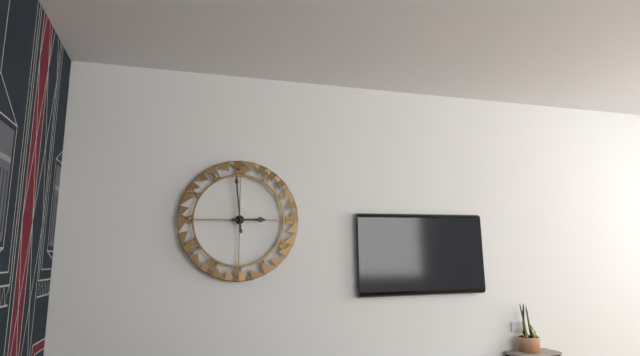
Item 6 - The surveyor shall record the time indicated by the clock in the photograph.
2:59
